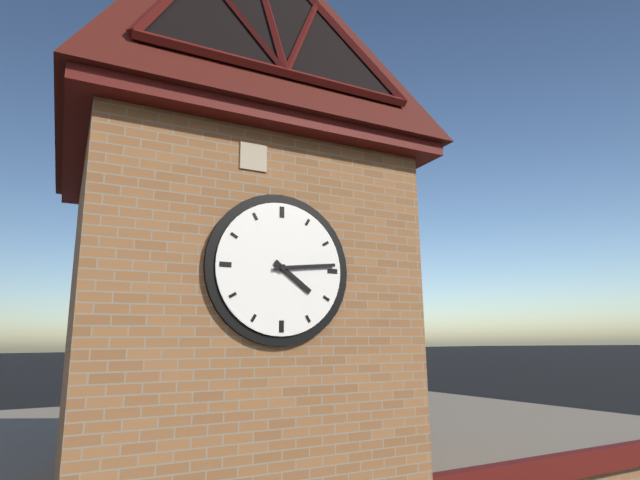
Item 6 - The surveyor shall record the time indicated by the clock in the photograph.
4:14
